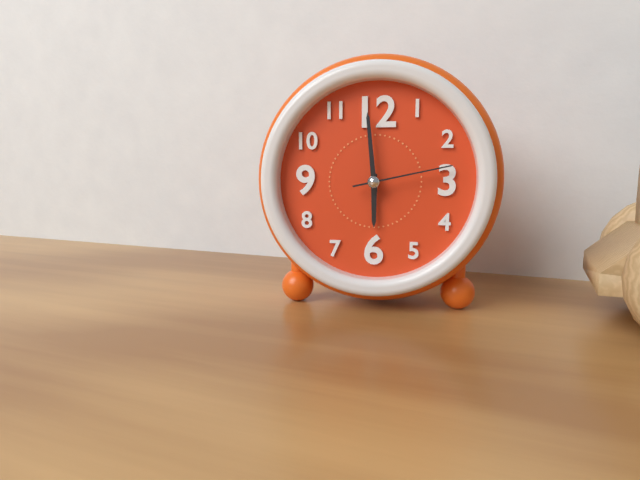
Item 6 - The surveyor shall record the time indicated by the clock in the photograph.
5:59:13
